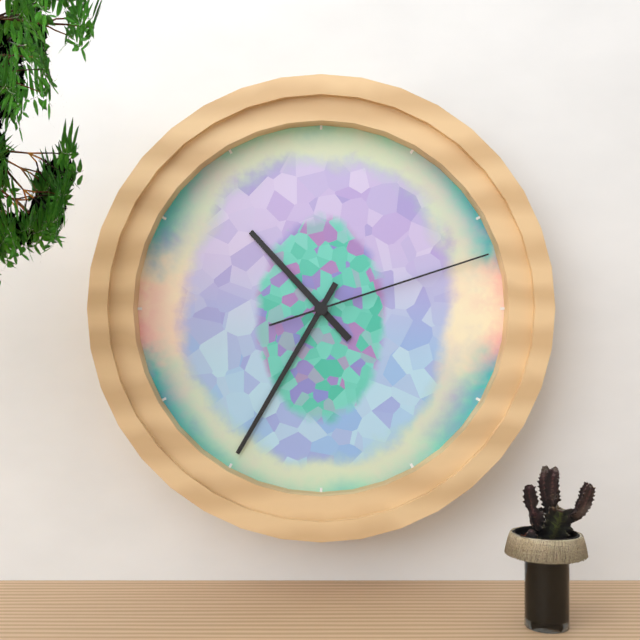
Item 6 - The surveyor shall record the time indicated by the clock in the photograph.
10:35:12
